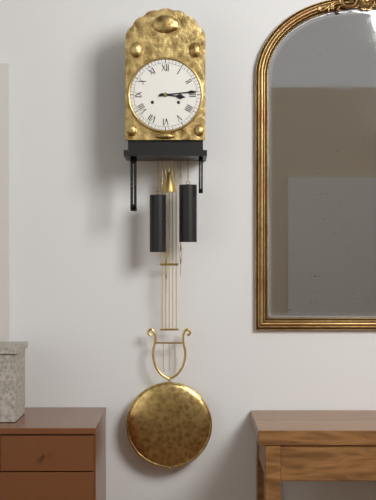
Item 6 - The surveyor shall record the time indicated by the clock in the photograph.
3:14
